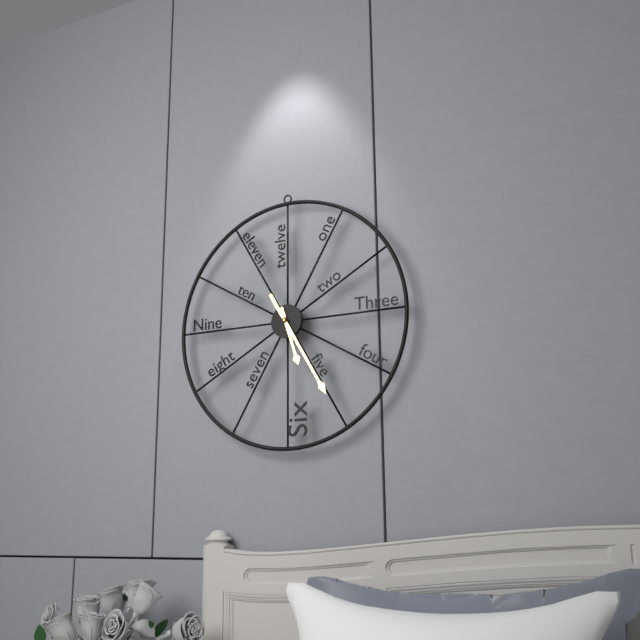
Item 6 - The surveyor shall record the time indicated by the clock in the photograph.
5:25
